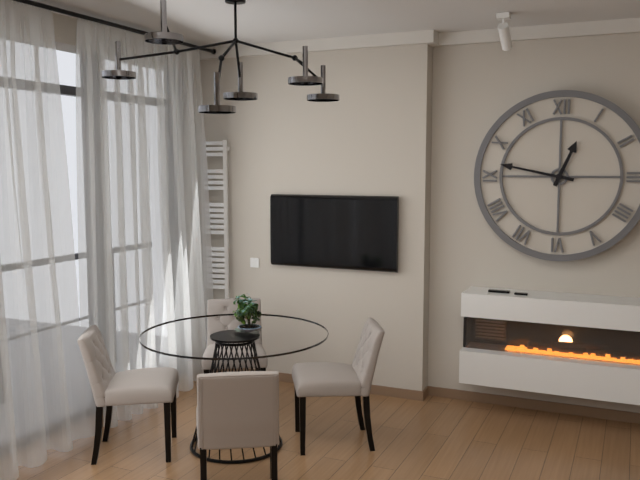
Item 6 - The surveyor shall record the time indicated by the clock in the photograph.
12:47
